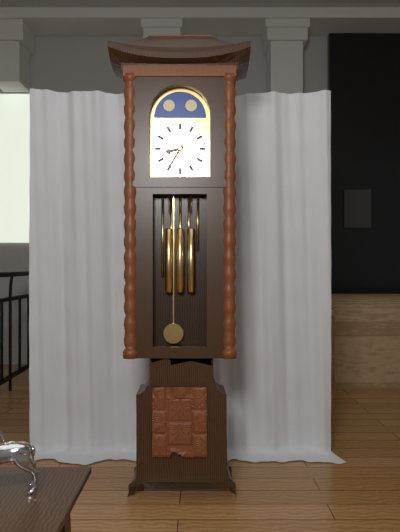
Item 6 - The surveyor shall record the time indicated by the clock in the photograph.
8:35
